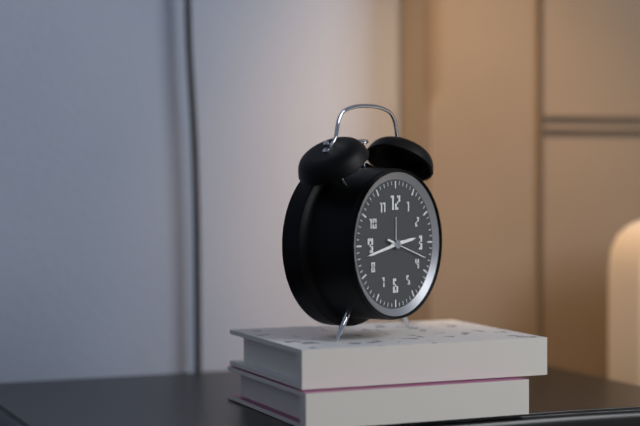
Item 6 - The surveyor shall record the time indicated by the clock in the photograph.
2:43
